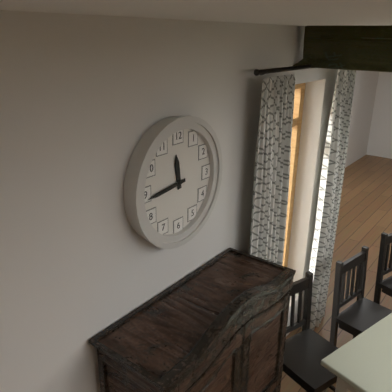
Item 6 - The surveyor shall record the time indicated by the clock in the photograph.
11:44
